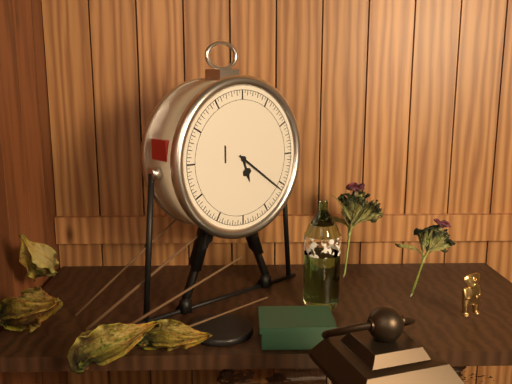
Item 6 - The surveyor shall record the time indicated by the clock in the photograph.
5:21
